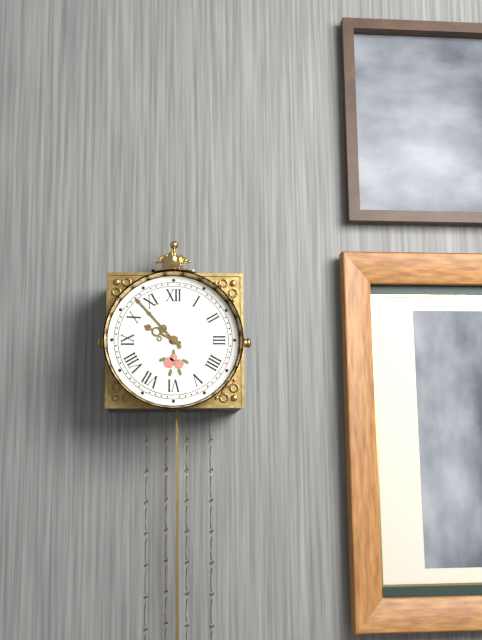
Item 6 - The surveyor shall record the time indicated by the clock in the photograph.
9:53
